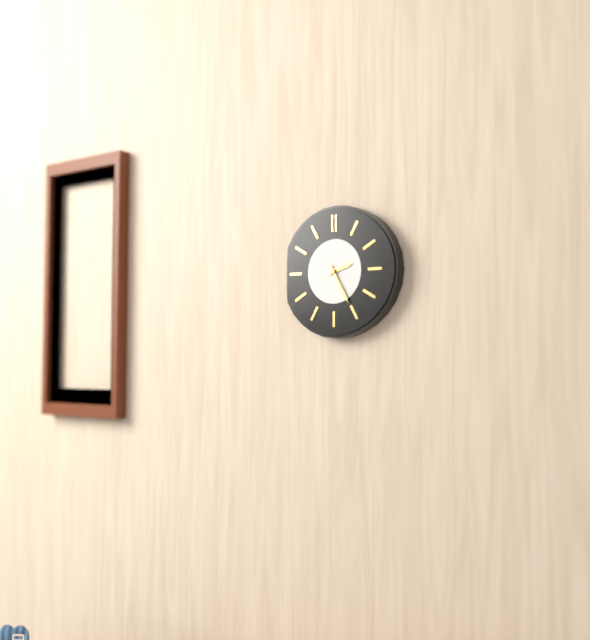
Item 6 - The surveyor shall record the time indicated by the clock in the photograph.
2:25
